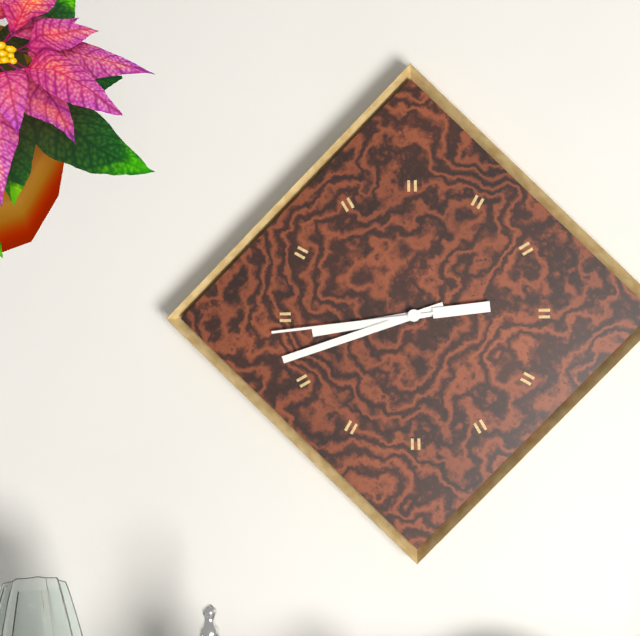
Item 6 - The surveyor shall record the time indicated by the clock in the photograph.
8:42:44
